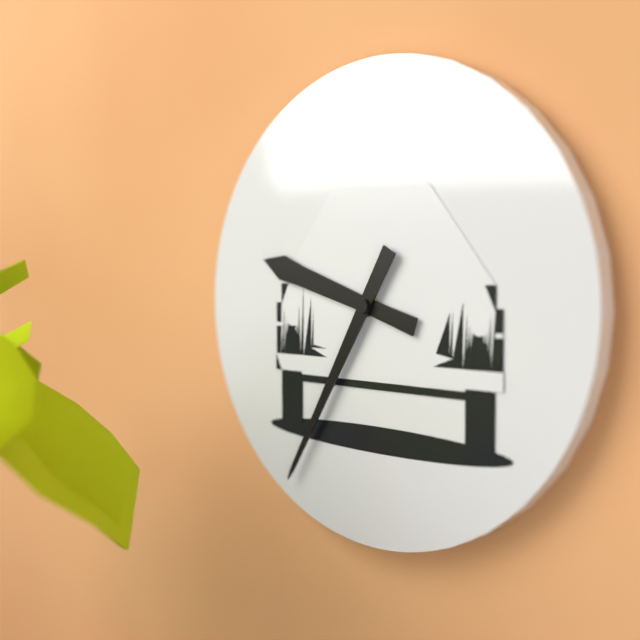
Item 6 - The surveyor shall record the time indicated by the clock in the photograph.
9:35
